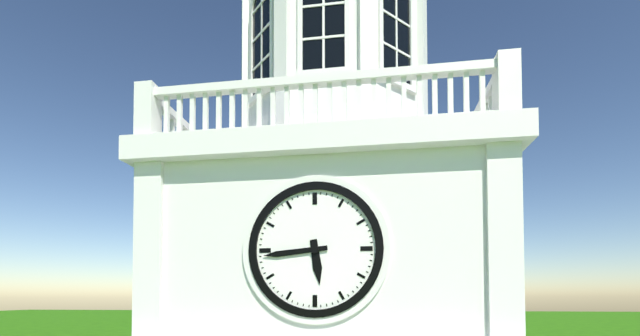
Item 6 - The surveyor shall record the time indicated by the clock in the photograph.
5:44
